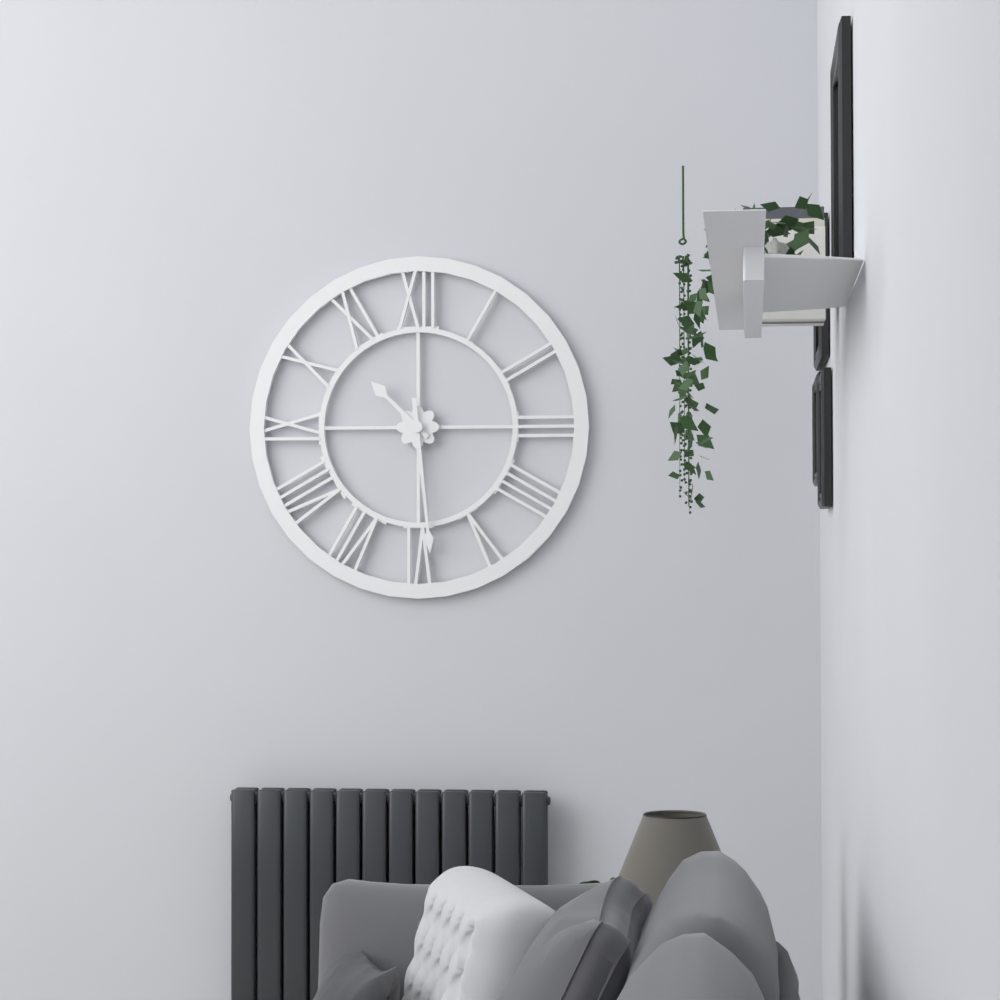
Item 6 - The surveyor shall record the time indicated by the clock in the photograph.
10:29
